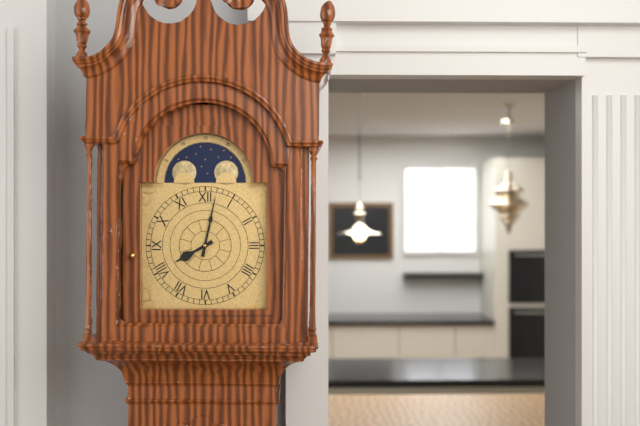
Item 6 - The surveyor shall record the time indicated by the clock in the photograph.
8:02
